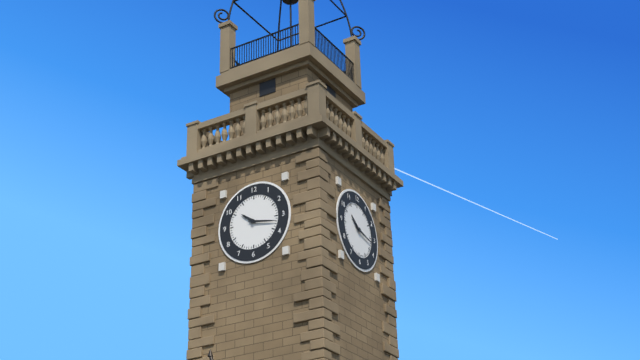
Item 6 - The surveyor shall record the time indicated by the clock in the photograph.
10:17
